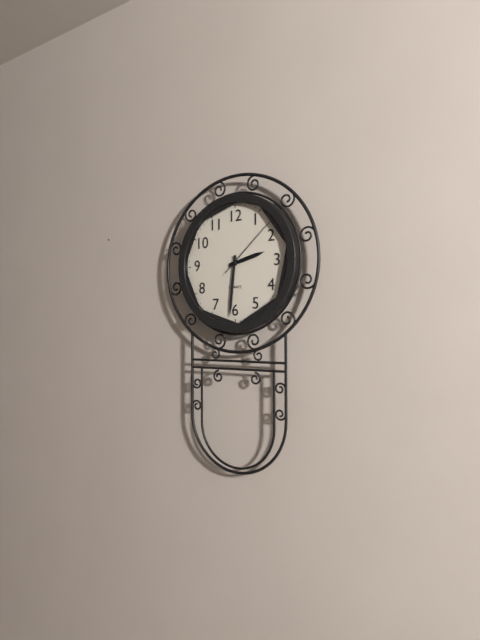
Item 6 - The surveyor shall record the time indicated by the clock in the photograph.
2:31:08
